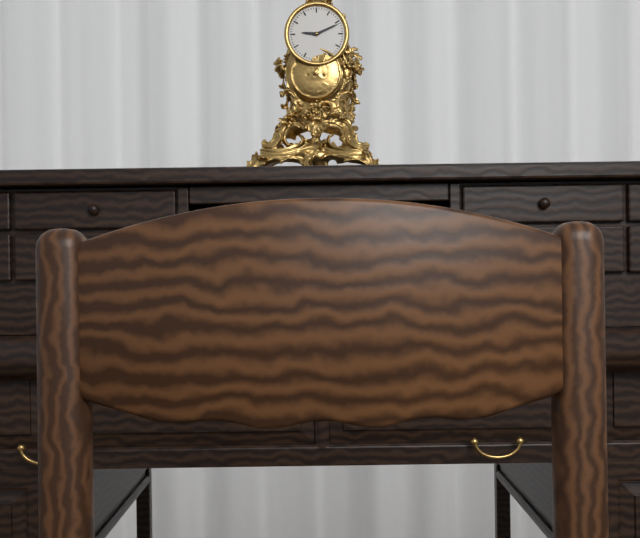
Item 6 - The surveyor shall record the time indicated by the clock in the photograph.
9:11
